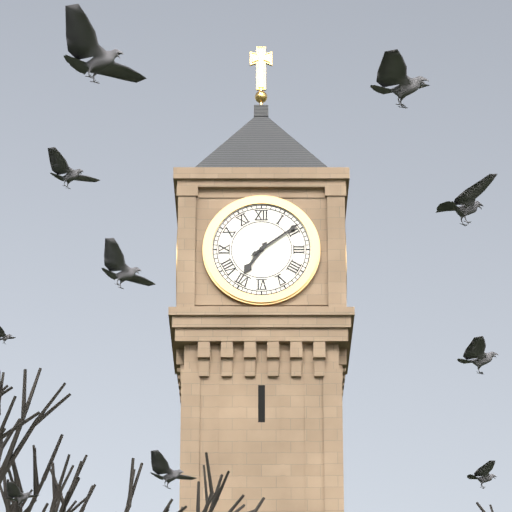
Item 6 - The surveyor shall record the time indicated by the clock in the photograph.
7:09
